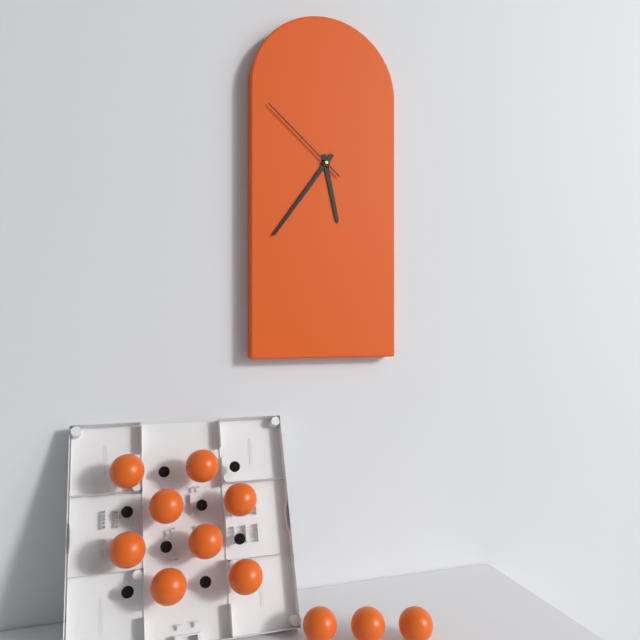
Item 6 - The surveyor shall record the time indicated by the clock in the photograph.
5:36:52
